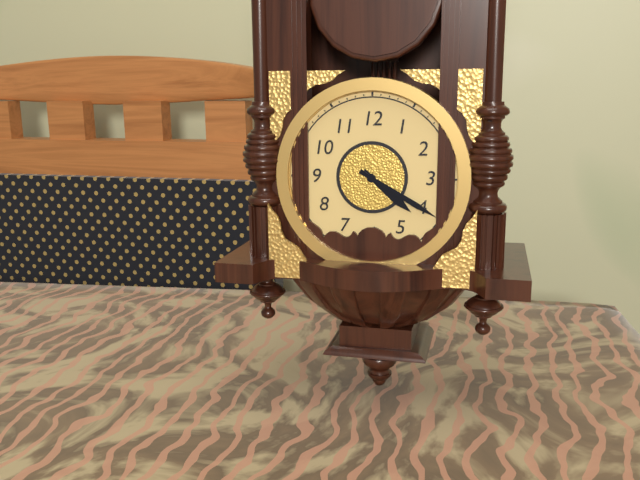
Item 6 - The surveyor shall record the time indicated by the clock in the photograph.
4:20
